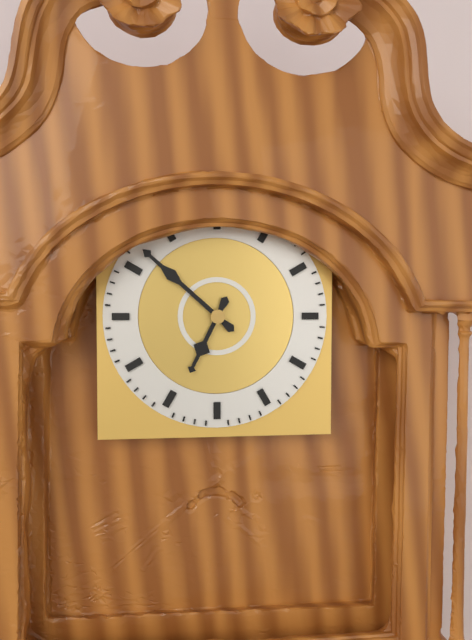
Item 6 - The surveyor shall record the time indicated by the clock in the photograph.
6:52
